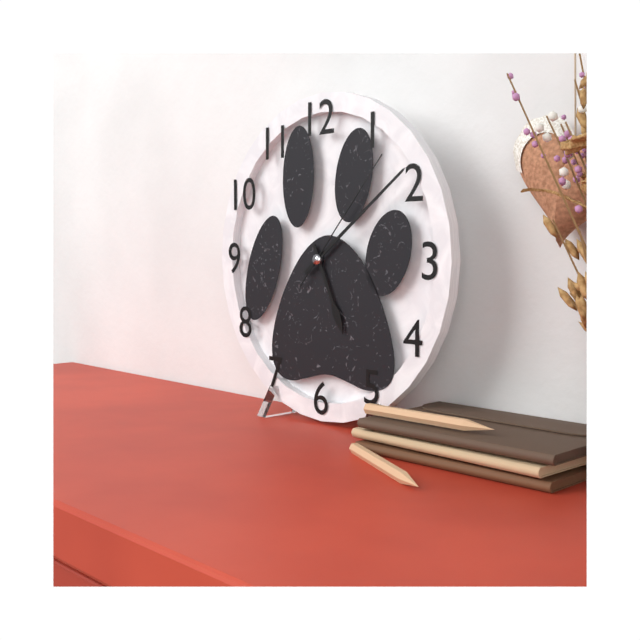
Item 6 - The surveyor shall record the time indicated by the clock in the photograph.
5:09:07
